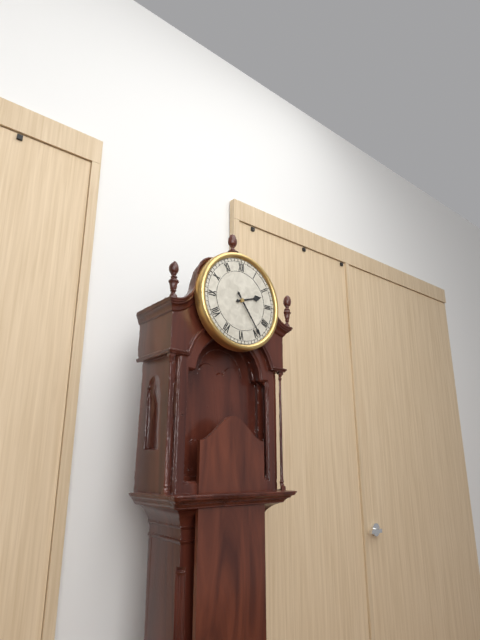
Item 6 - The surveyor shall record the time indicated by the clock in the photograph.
2:24
